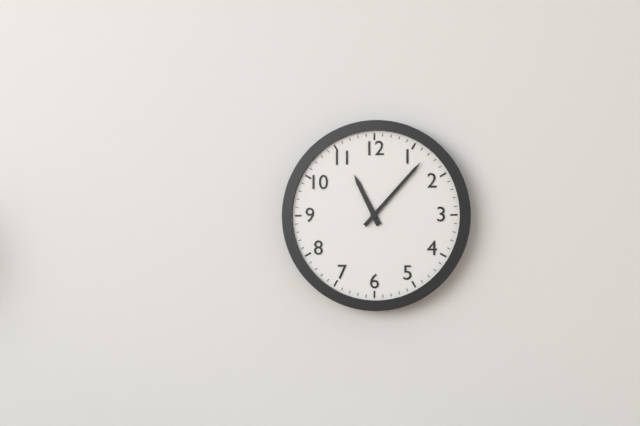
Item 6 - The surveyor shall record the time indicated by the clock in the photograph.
11:07
